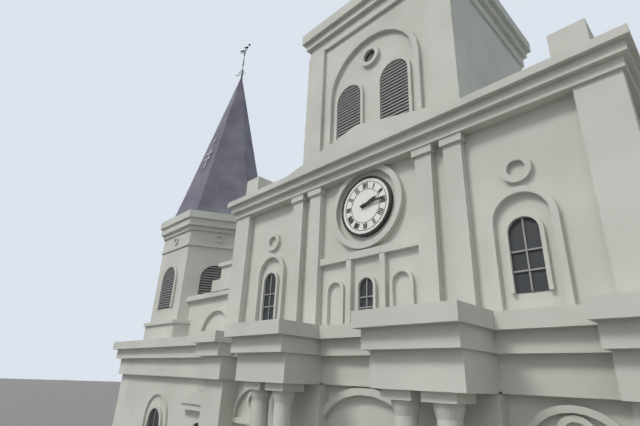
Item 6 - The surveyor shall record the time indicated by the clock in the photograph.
2:14
